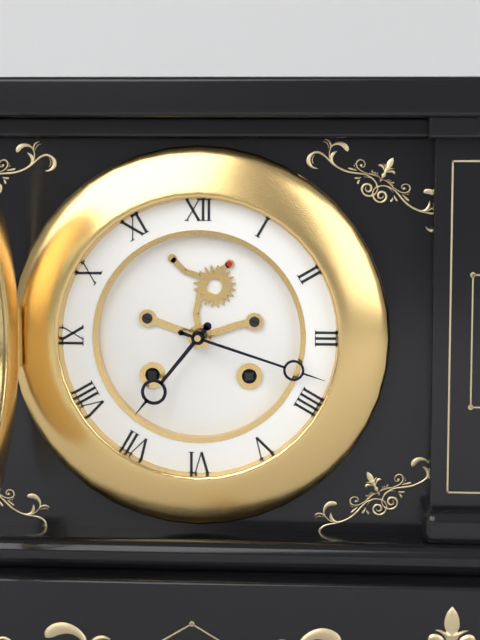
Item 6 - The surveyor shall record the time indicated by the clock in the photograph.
7:18
